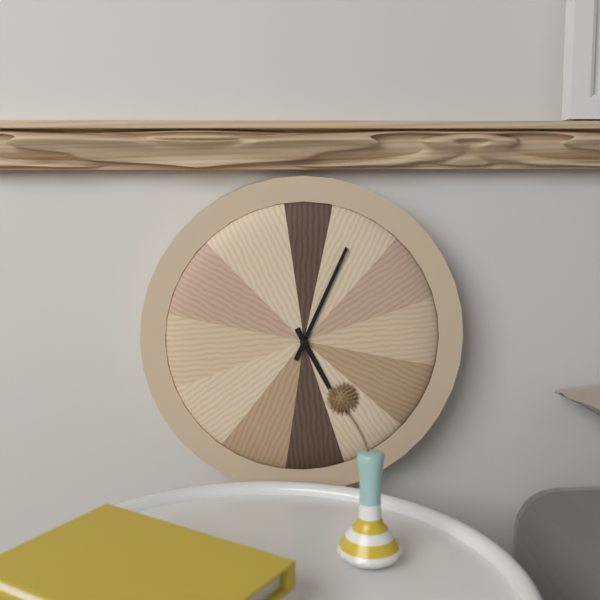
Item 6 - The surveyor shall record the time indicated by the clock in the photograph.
5:04
